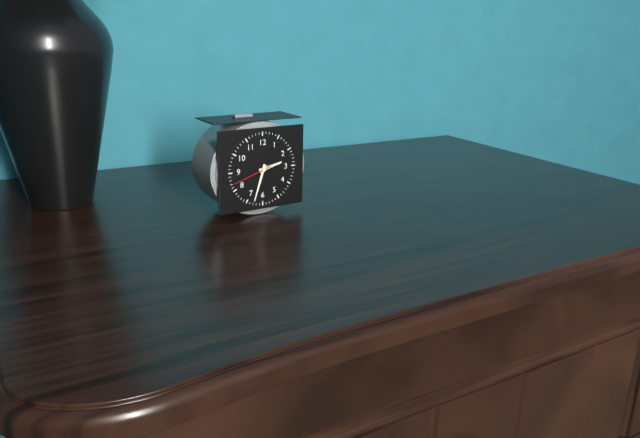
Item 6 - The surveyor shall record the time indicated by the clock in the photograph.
2:33
